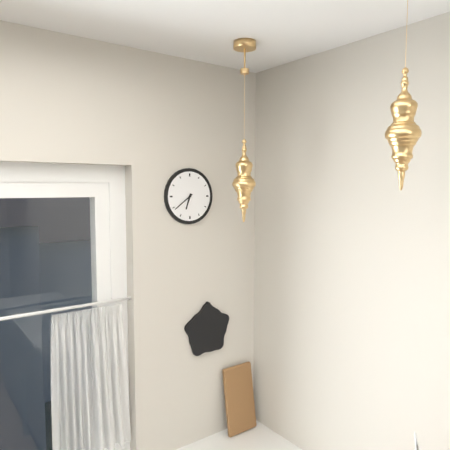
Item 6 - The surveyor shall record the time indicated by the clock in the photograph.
6:39
